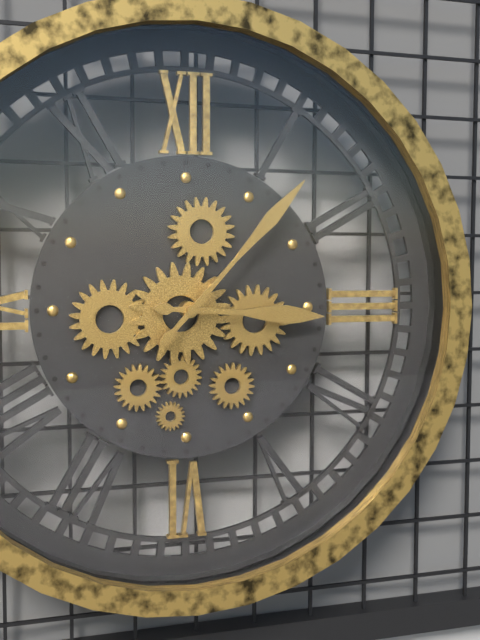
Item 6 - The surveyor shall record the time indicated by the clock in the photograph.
3:07
